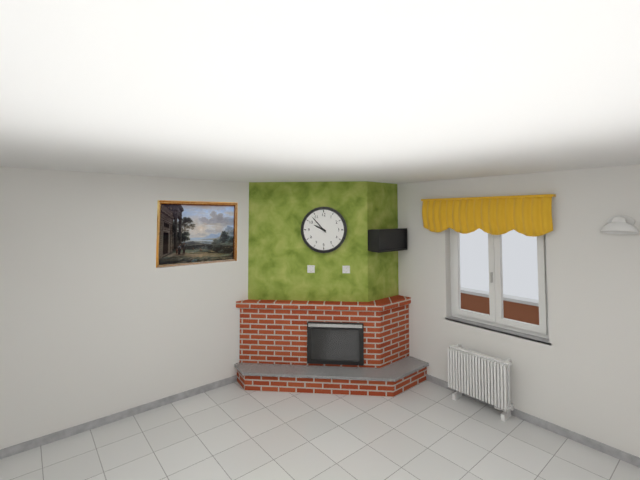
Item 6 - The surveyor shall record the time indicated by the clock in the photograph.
9:53
